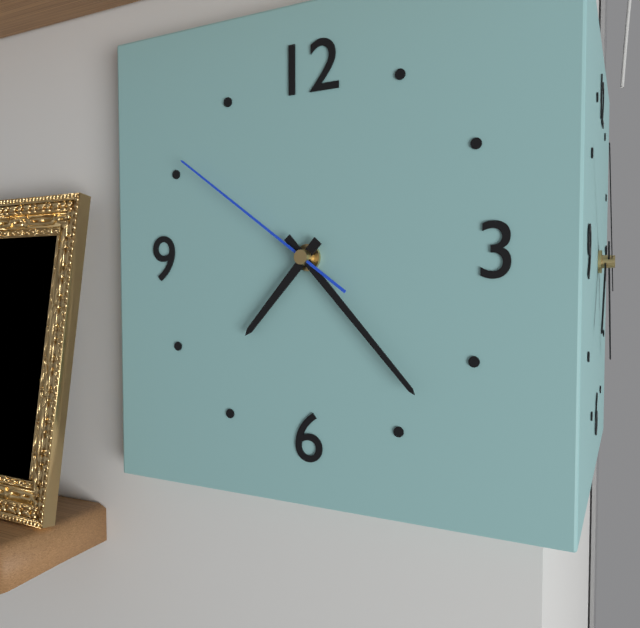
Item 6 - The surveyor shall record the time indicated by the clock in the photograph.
7:23:51
